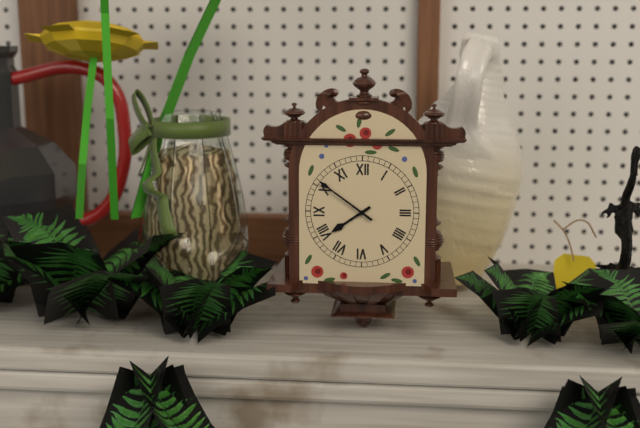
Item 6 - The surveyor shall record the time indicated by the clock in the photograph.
7:51
